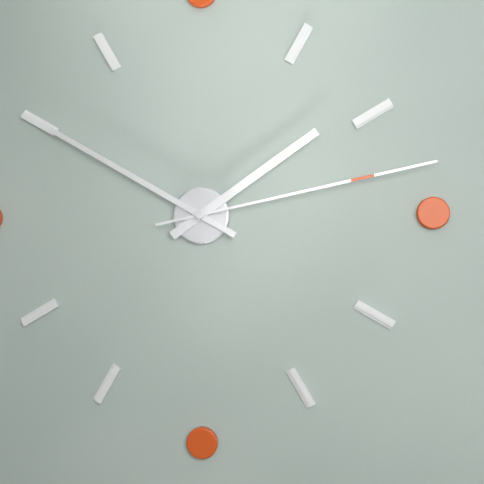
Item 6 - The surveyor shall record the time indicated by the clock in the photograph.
1:50:13
